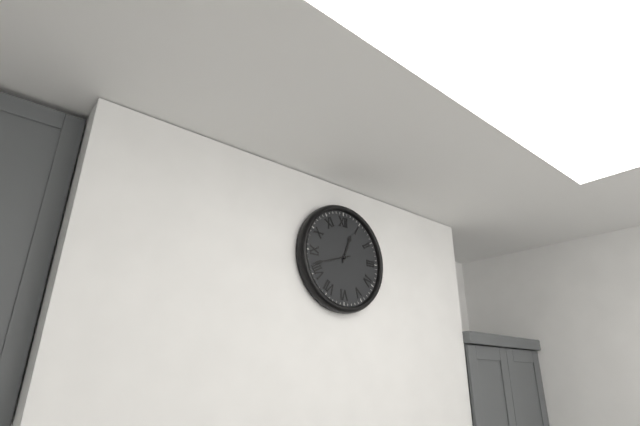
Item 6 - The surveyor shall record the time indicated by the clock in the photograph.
12:42
